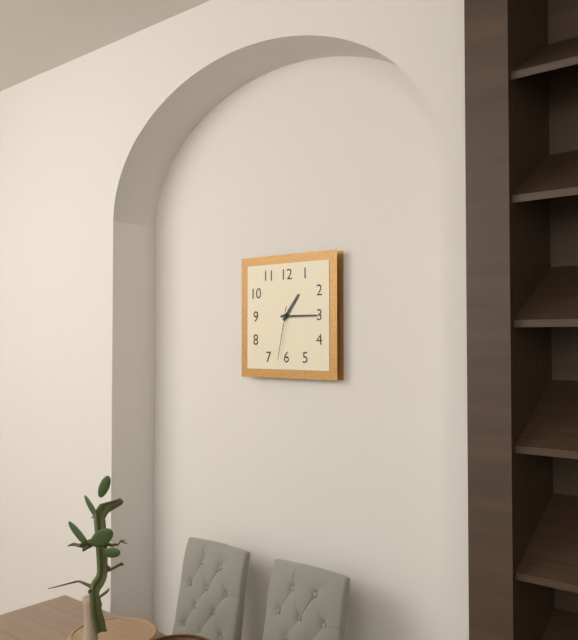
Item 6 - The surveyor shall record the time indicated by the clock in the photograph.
1:15:32
